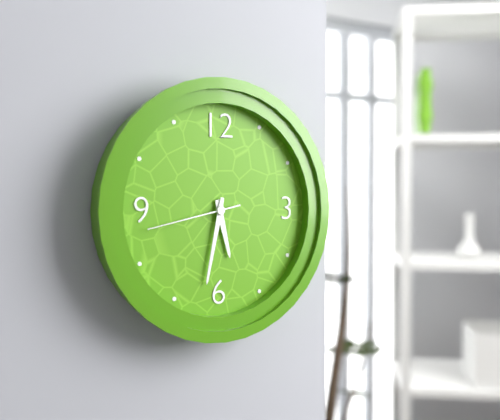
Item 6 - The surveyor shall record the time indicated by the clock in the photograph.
5:32:43
